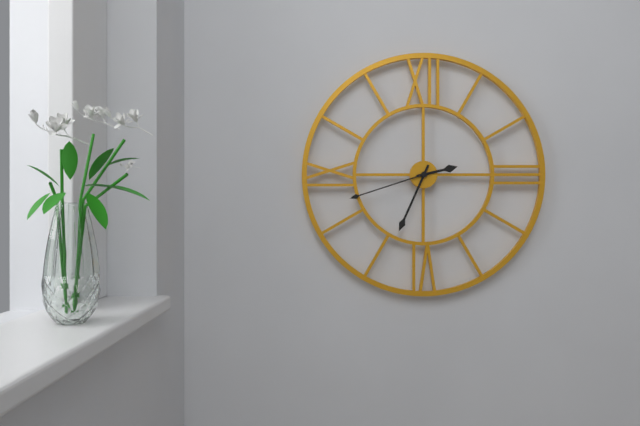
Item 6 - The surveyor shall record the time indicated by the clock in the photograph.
2:34:42
